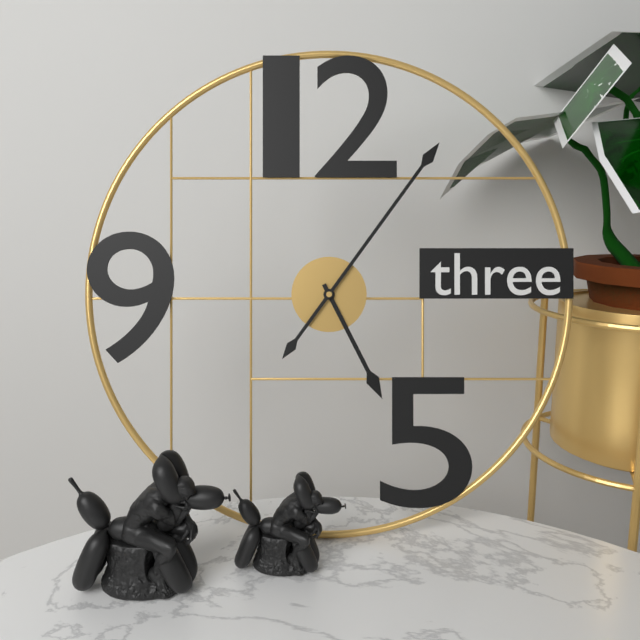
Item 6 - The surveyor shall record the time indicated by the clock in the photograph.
5:06
